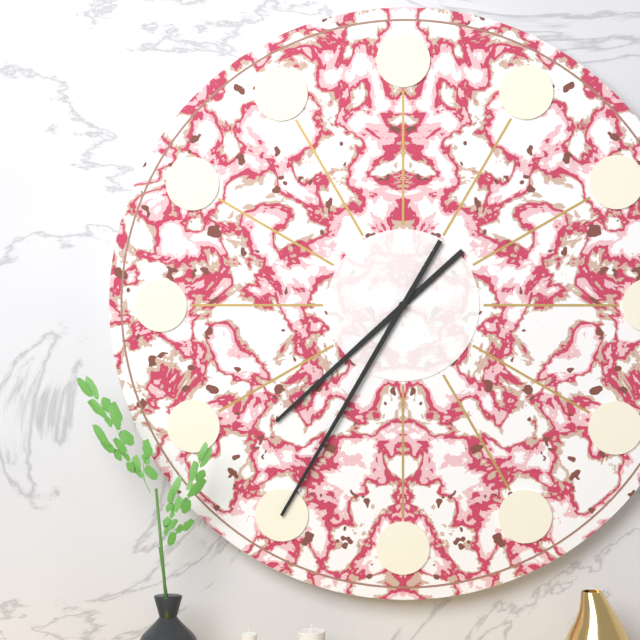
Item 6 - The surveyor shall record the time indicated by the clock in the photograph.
7:35
